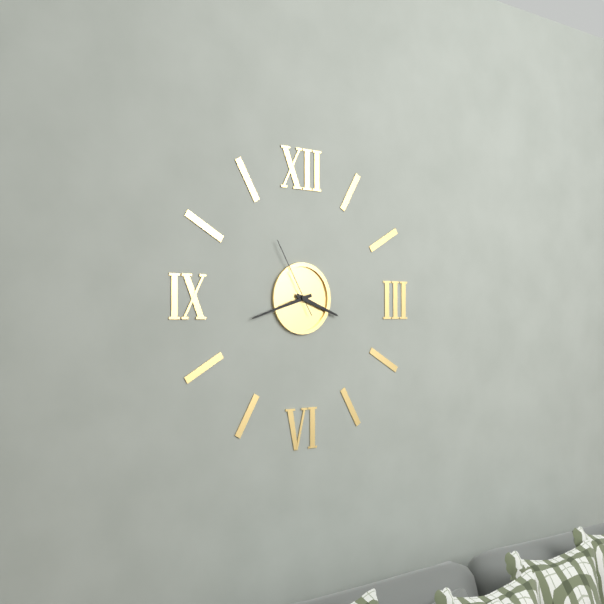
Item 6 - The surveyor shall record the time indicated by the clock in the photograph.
3:42:55
